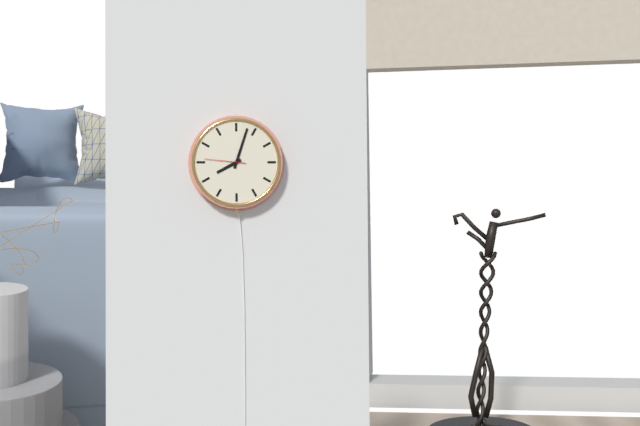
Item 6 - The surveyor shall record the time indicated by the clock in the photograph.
8:03
